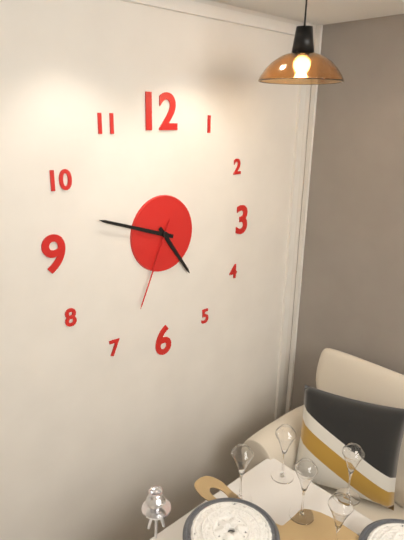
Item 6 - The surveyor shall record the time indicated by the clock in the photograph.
4:48:34
